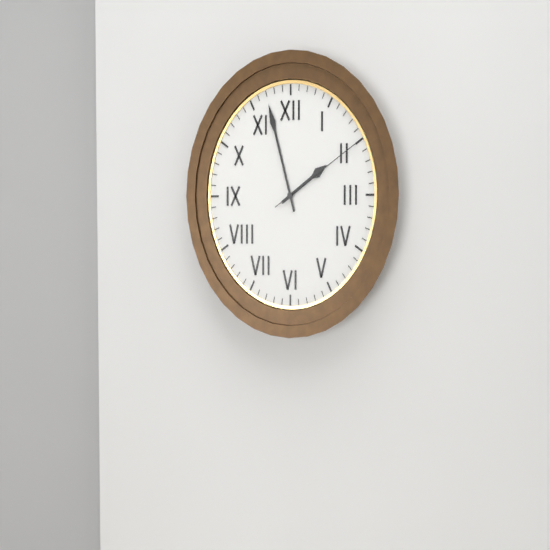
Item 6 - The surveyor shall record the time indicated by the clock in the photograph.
1:57:10
